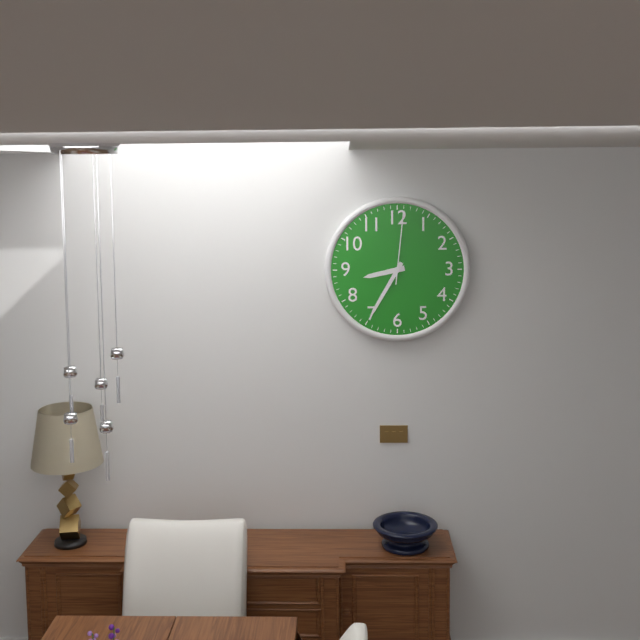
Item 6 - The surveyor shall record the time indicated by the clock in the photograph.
8:35:01
